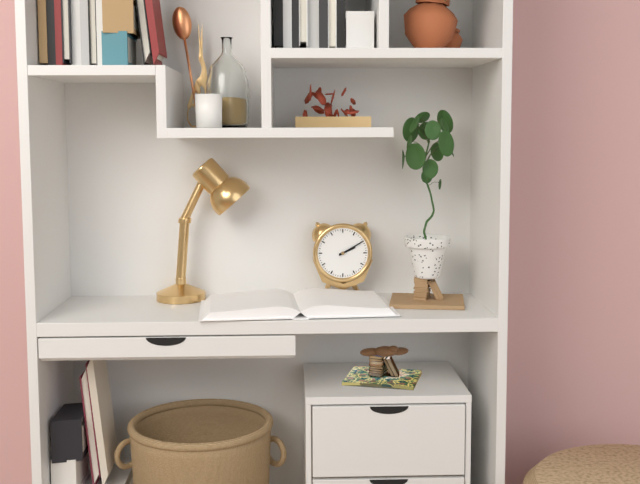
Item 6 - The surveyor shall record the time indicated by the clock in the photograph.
2:10
